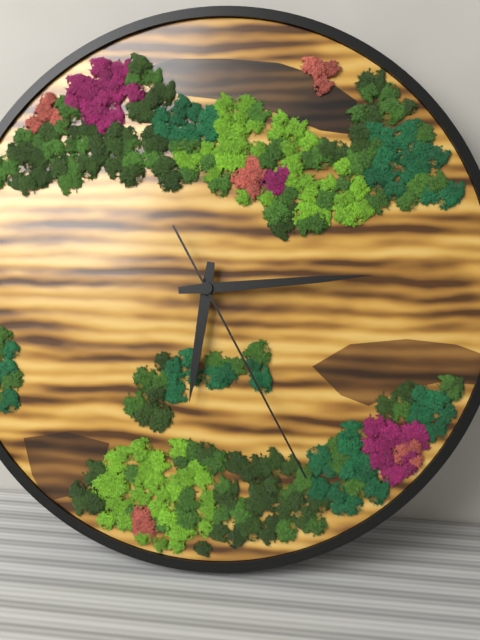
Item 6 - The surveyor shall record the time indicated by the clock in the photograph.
6:14:25
